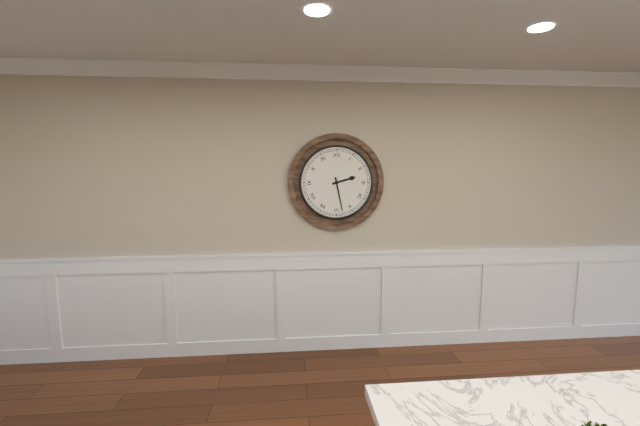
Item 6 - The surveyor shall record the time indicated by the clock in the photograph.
2:28
